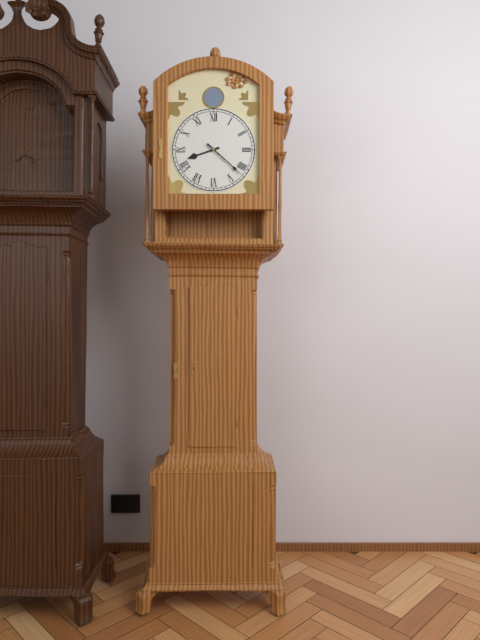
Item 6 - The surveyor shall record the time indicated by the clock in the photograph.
8:22
